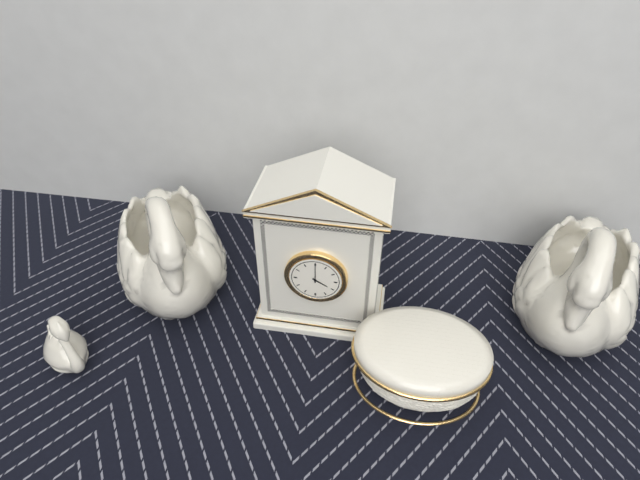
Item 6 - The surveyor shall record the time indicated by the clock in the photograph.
4:00
